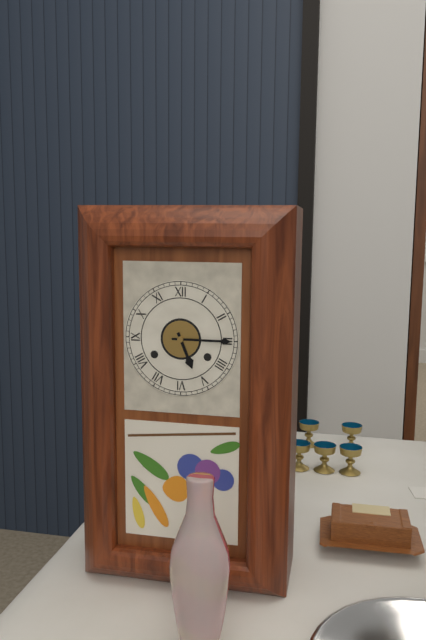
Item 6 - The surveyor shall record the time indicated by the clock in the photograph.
5:15
